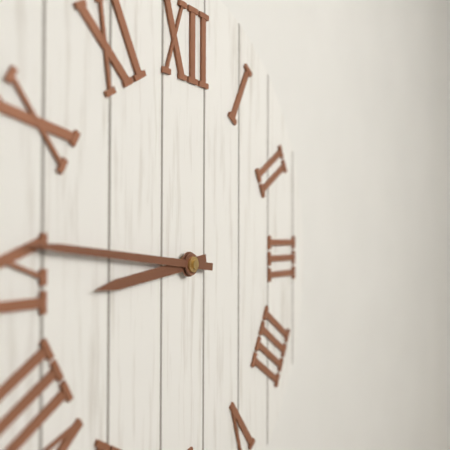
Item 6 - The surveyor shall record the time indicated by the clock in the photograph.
8:46
